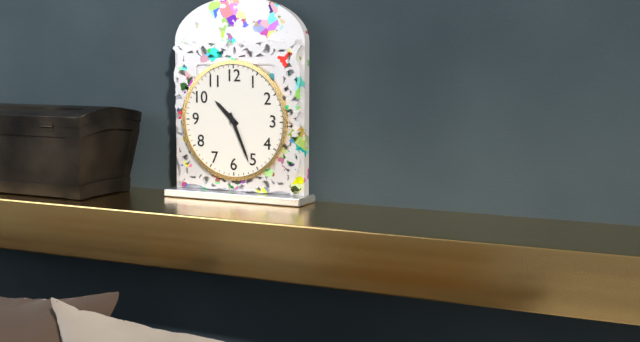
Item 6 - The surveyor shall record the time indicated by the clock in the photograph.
10:26
